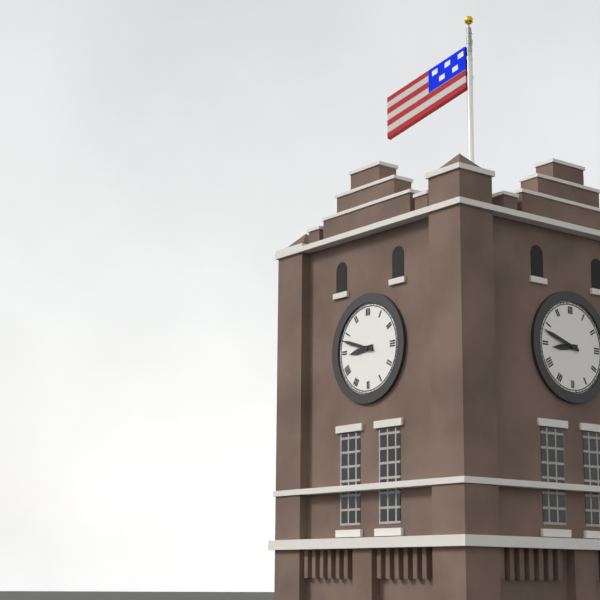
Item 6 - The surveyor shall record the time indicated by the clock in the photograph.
8:48
